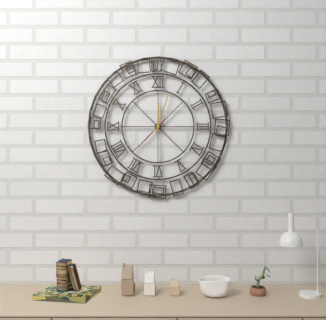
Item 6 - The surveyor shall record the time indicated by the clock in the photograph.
12:03
